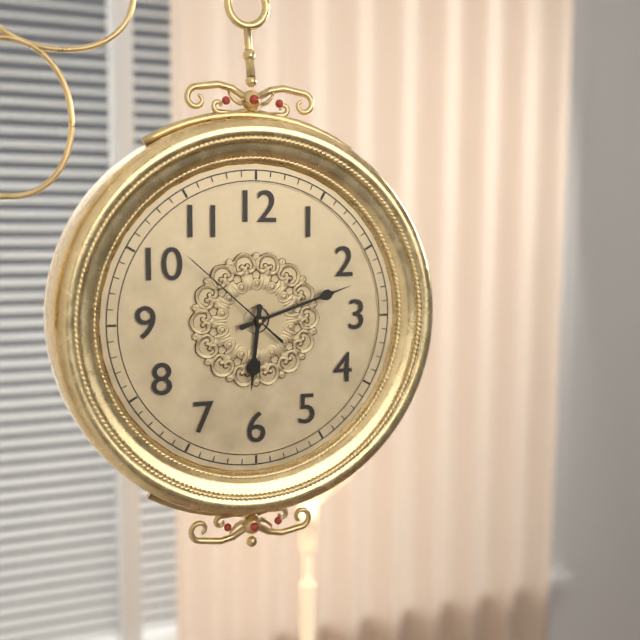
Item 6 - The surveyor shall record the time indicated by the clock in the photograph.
6:12:52
